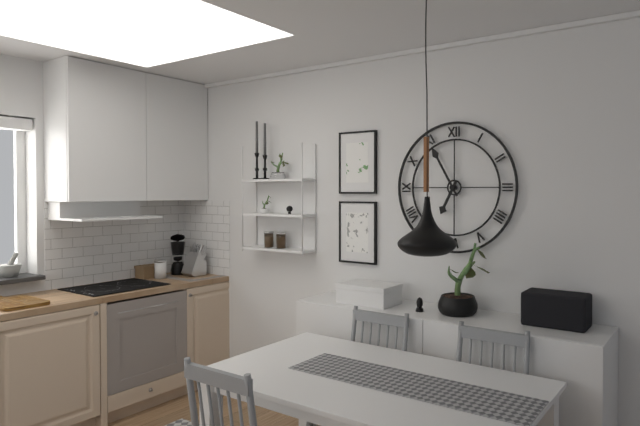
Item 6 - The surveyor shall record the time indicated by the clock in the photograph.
6:55
